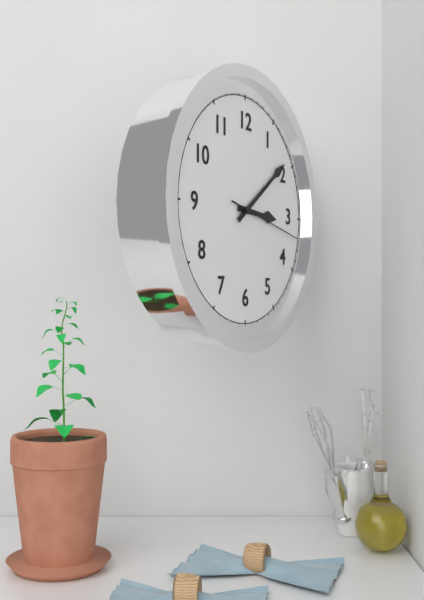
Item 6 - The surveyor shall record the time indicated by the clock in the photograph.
3:09:17
